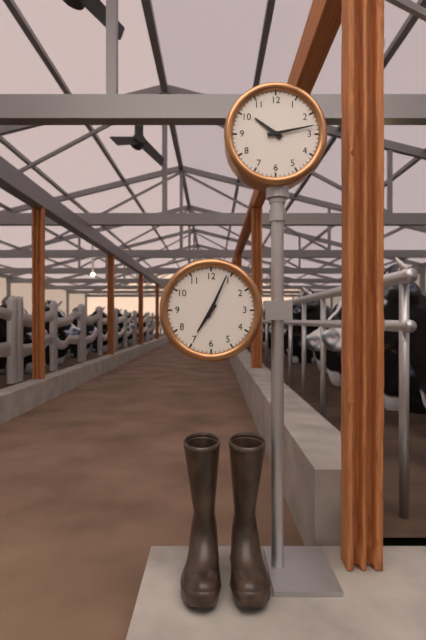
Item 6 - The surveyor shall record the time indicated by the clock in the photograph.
10:13
